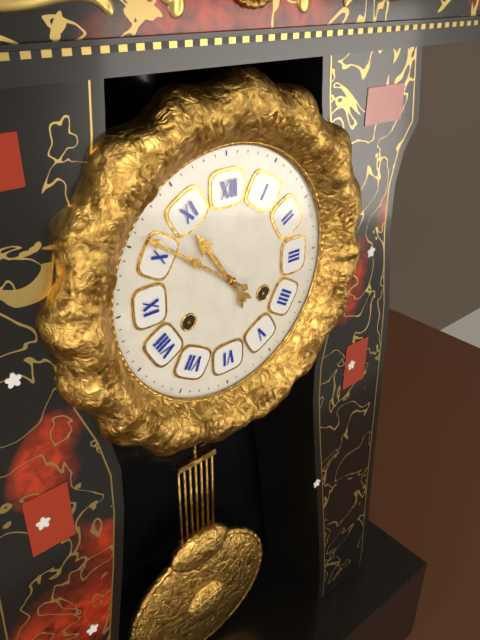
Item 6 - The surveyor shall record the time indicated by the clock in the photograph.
10:51
